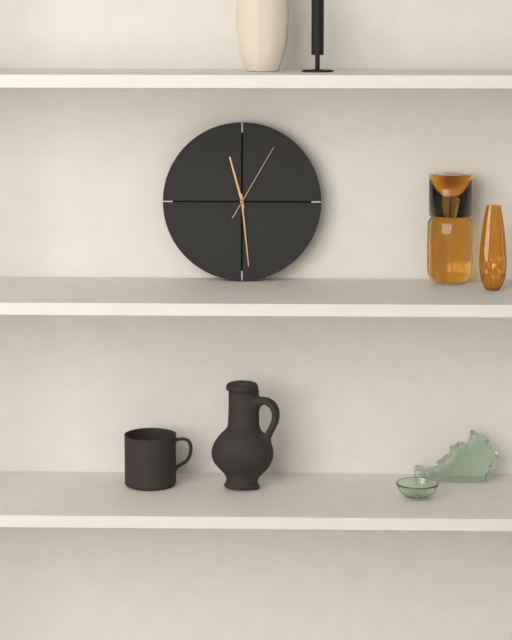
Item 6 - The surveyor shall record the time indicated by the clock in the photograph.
11:29:05
